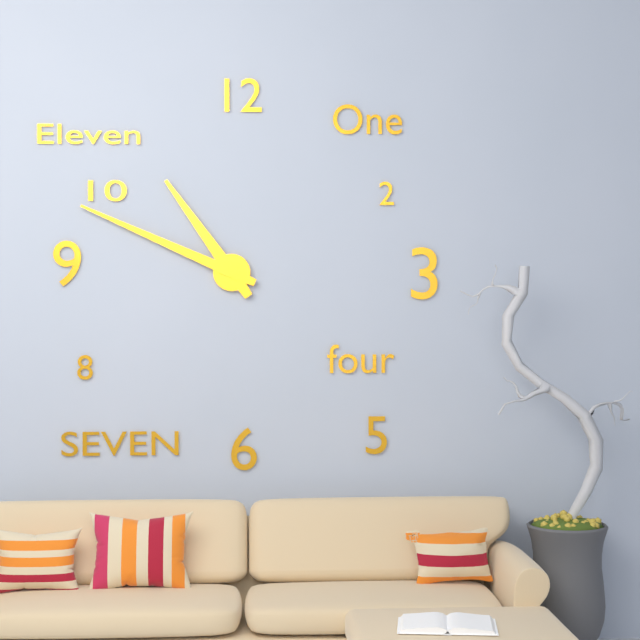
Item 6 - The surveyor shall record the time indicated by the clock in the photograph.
10:49
